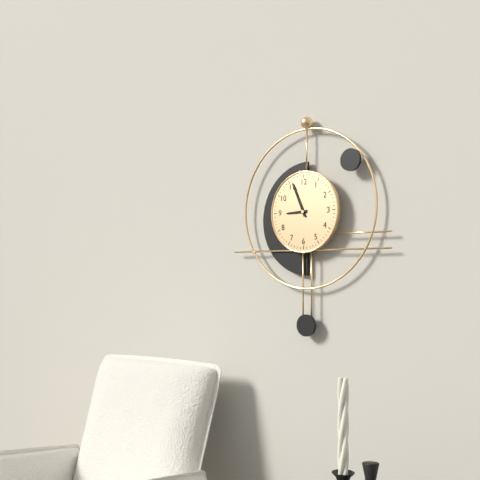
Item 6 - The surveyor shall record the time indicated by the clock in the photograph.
8:56
